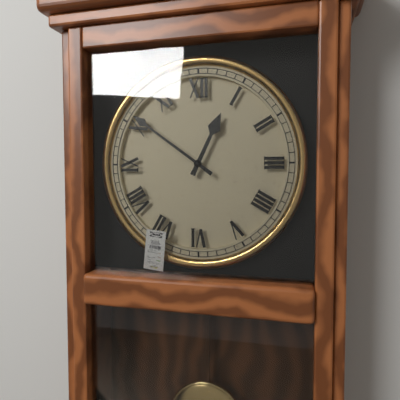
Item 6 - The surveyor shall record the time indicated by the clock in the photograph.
12:51
